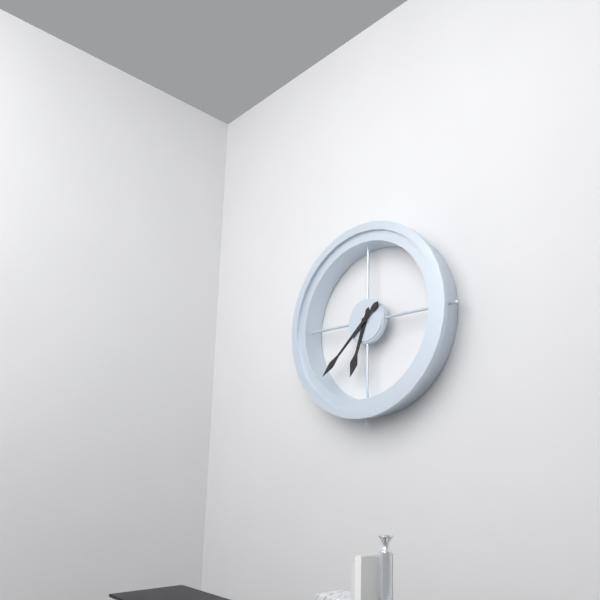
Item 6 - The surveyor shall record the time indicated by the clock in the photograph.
6:38
